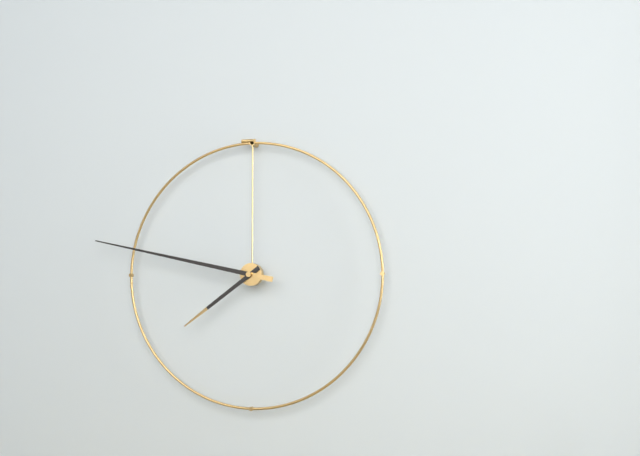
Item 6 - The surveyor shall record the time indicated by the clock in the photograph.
7:47
